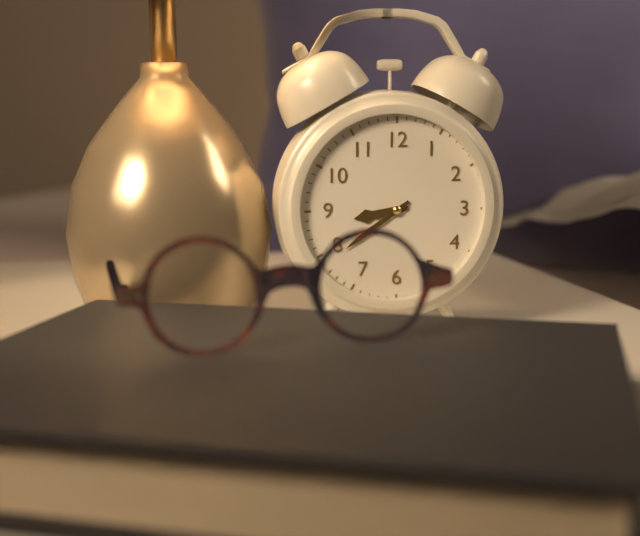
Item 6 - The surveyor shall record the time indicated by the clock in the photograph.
8:39
